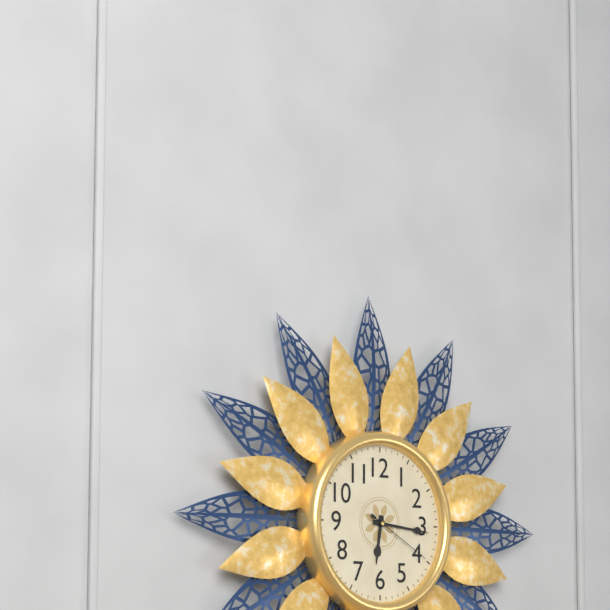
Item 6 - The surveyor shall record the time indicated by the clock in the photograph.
6:16:20
